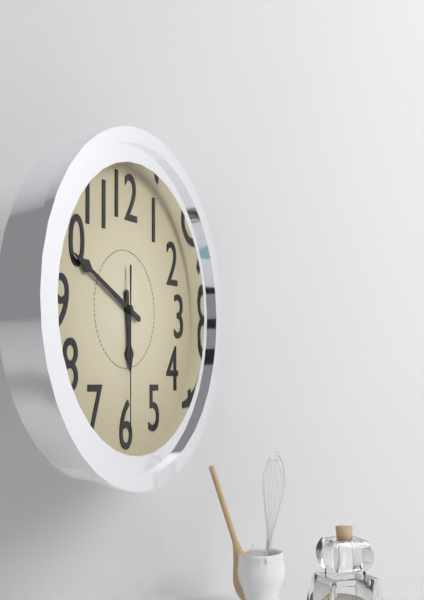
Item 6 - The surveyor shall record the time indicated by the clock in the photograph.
5:49:30
